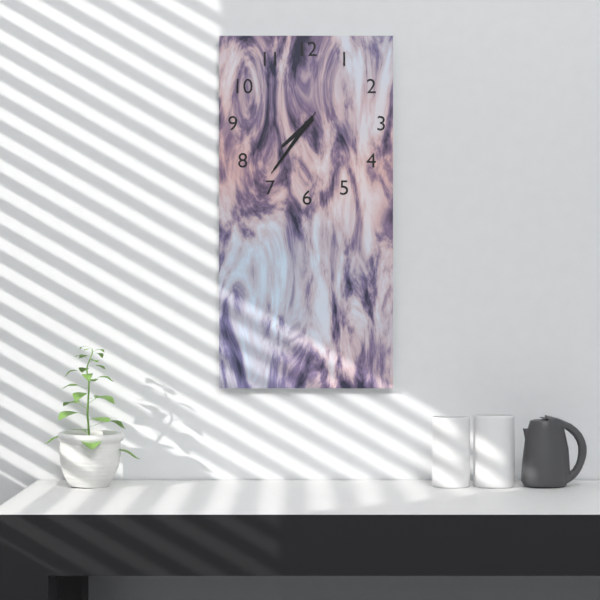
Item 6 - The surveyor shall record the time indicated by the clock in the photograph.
7:36:36
